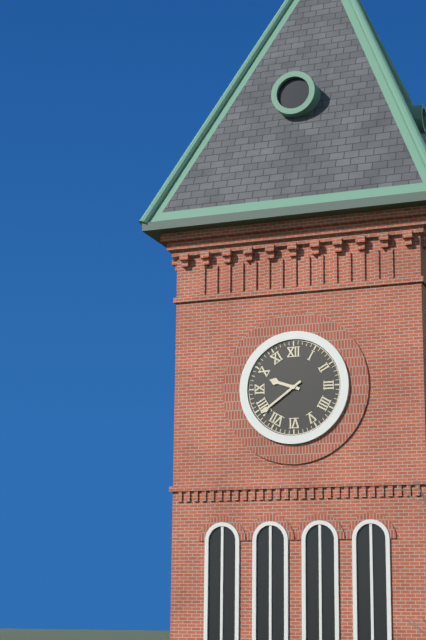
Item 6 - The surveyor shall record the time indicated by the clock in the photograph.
9:39
